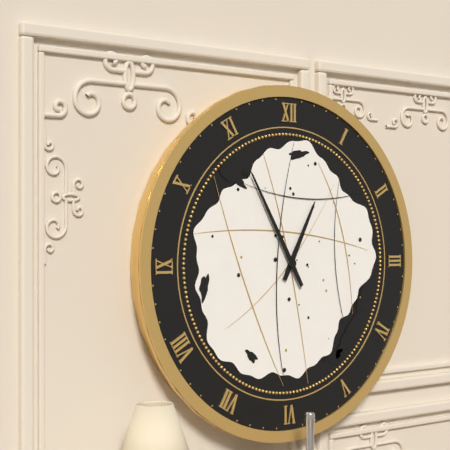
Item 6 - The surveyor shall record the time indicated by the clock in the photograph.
12:55
